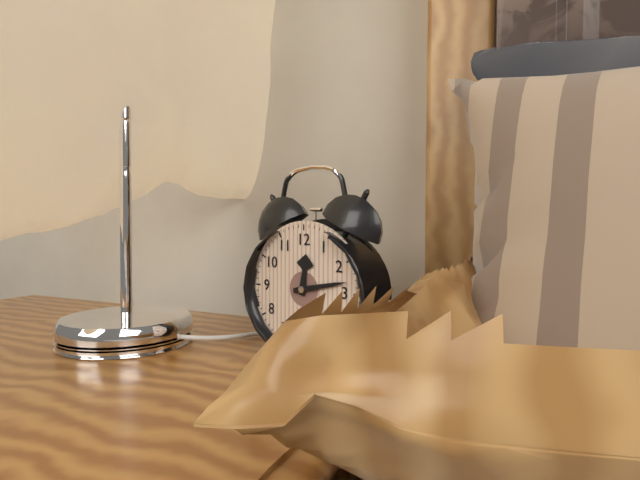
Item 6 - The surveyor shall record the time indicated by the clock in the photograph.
12:13
